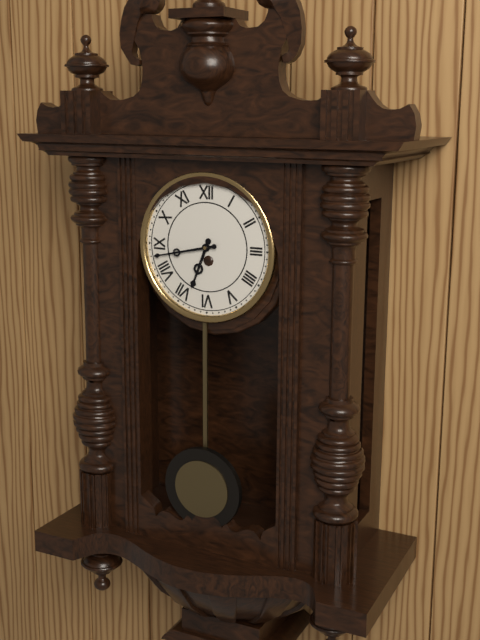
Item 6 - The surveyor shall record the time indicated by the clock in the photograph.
6:43
